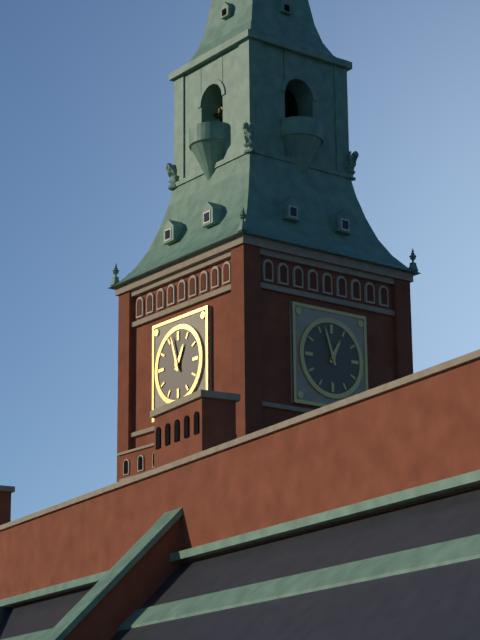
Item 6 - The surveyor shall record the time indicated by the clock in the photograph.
12:57
